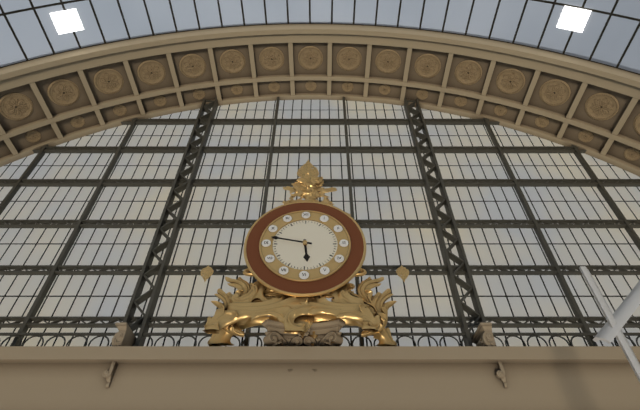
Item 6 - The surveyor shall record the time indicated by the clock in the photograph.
5:47
